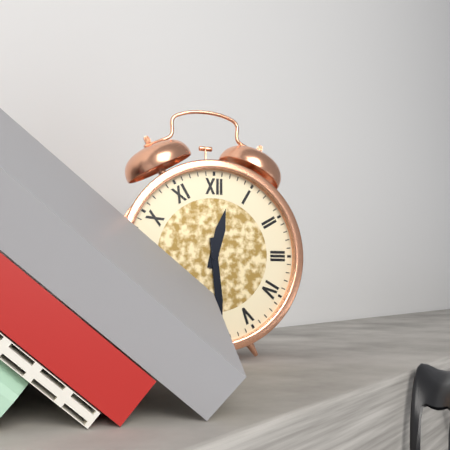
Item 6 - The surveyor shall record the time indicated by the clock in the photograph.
12:29
